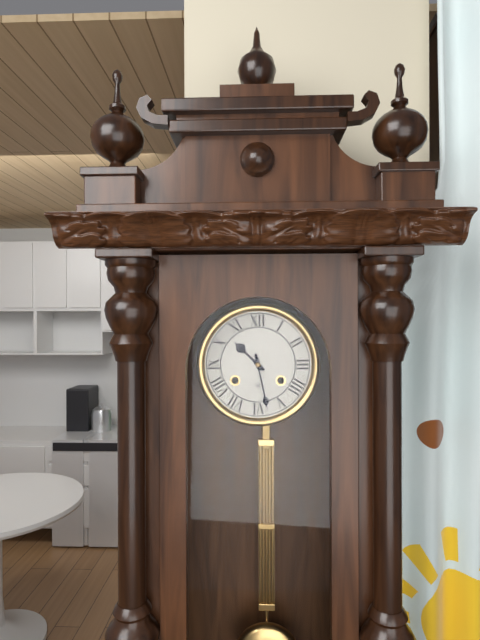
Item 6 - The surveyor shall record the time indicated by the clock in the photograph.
10:28
